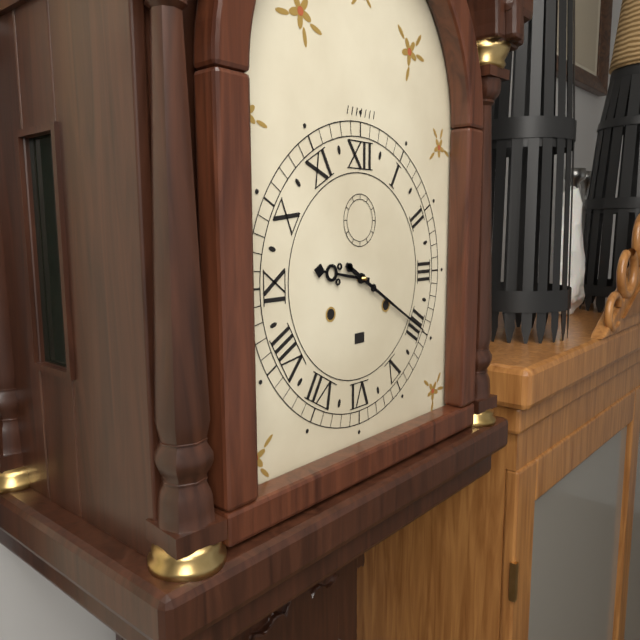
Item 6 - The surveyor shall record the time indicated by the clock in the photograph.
9:20
